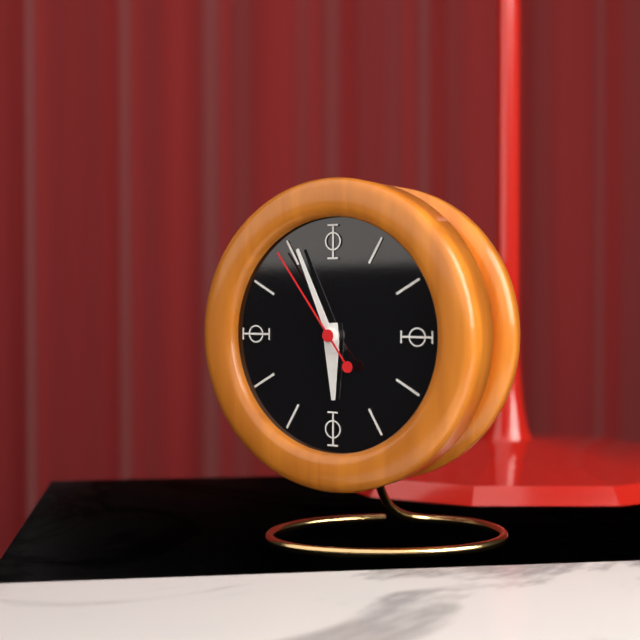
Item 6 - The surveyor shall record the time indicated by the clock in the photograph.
5:56:54
